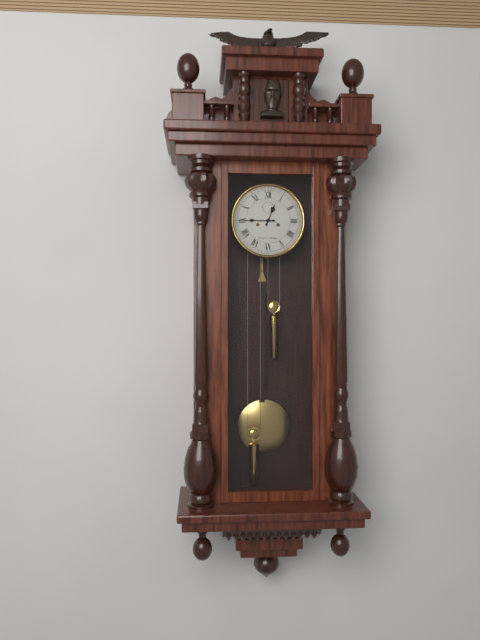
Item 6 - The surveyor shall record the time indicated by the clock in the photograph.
12:45
